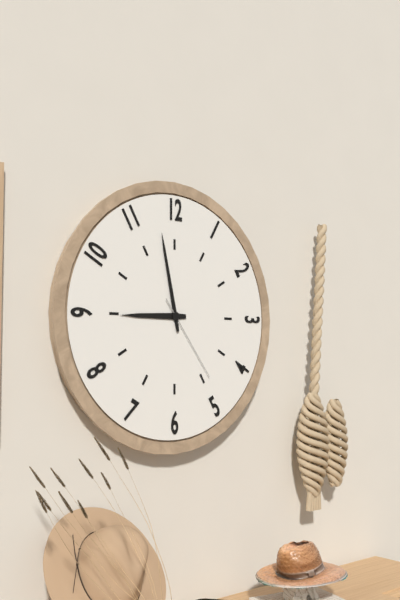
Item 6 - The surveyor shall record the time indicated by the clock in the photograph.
8:58:24
